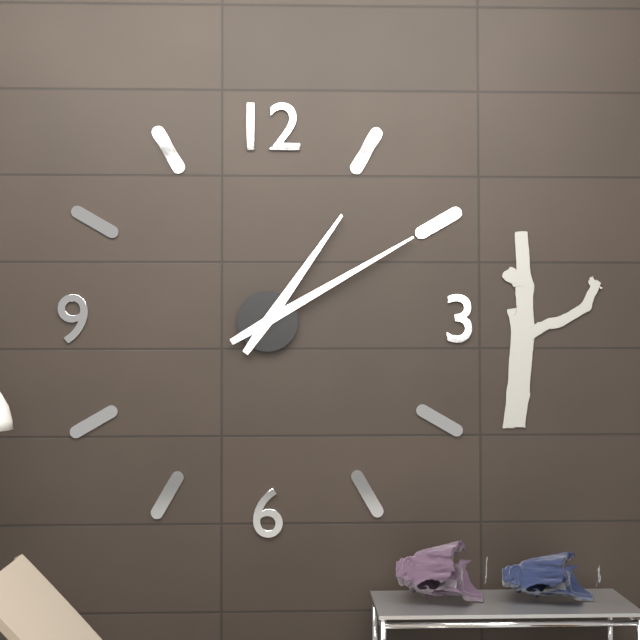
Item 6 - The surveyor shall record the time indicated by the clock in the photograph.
1:10
